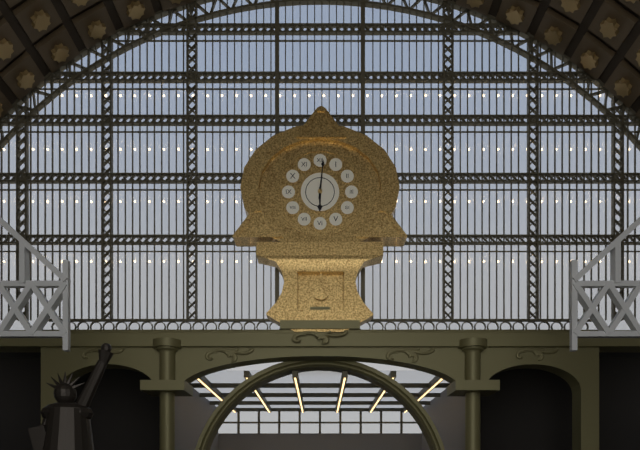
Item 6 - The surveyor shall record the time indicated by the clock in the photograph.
6:01
